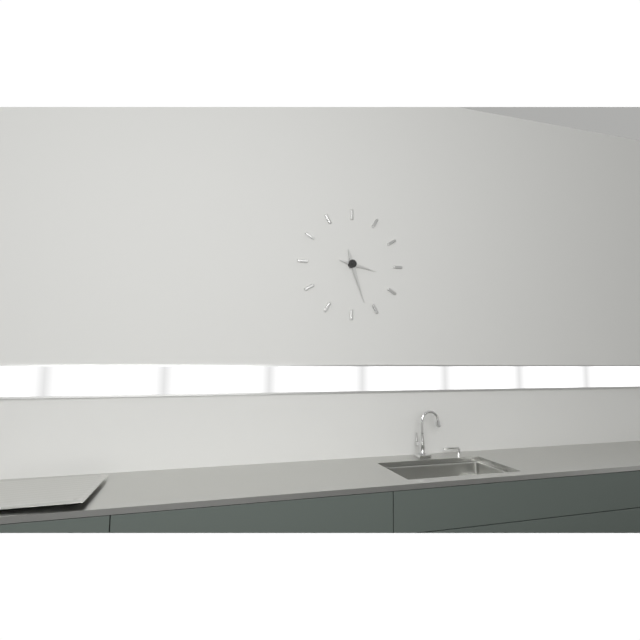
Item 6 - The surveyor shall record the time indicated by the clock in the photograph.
3:27
